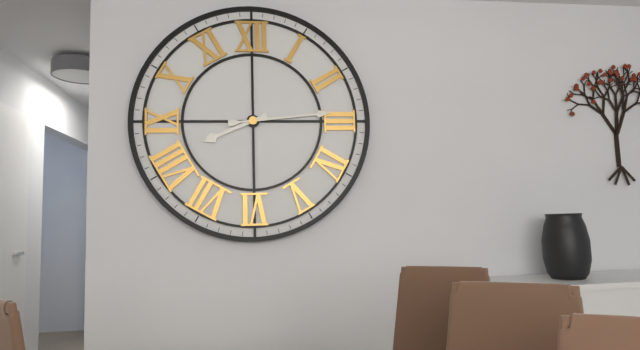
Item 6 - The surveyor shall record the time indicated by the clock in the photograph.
8:14
